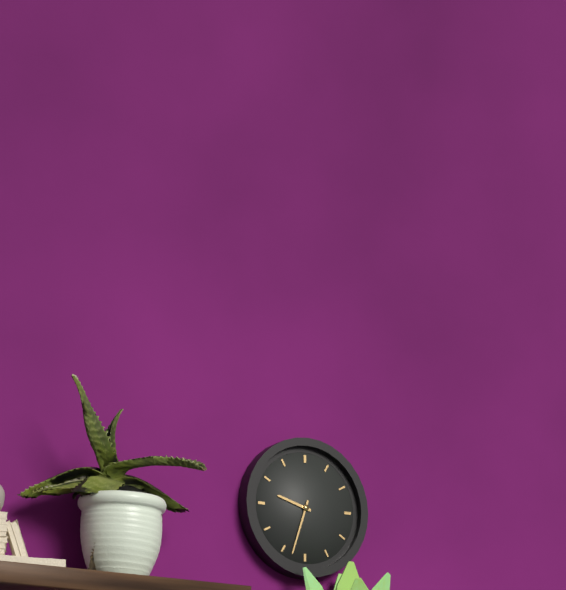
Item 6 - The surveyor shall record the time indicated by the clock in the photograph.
9:33
